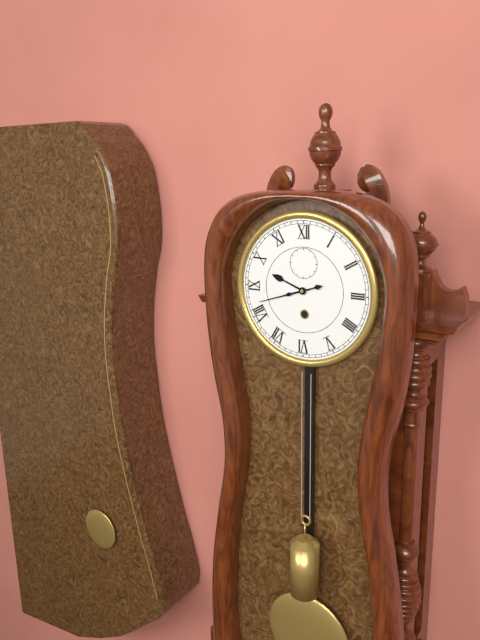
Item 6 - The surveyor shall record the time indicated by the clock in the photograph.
9:42
